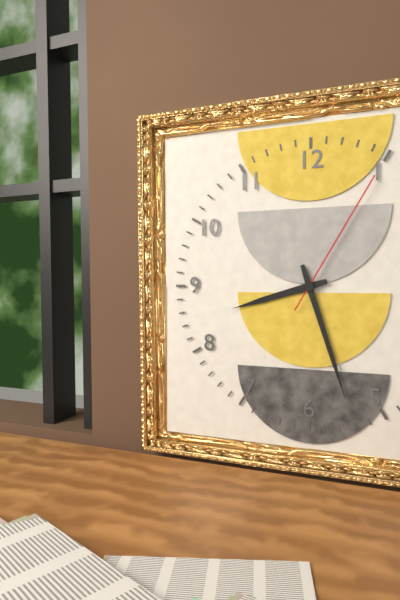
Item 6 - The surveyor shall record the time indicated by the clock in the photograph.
8:27:05
